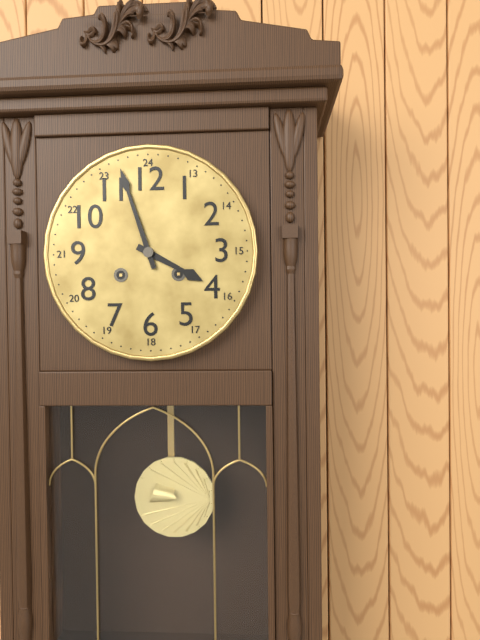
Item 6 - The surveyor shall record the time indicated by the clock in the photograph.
3:57
